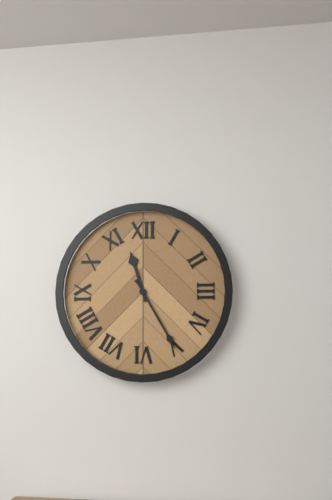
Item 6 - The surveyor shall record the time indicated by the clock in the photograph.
11:25
